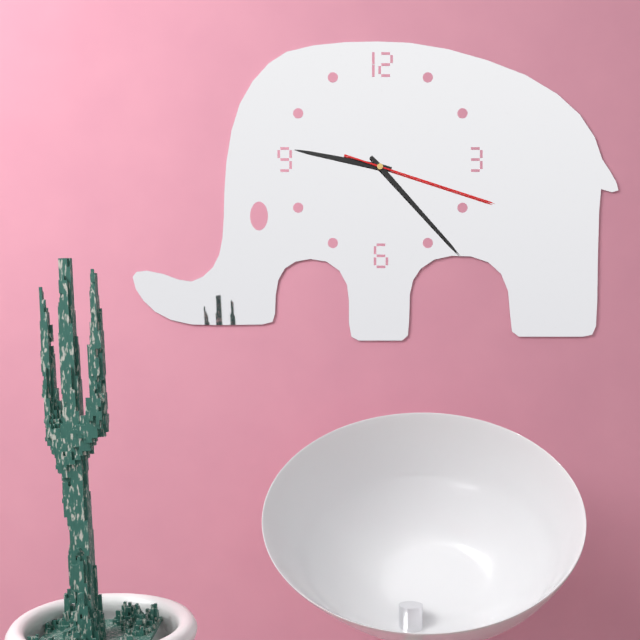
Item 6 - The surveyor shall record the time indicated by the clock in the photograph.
9:23:18
